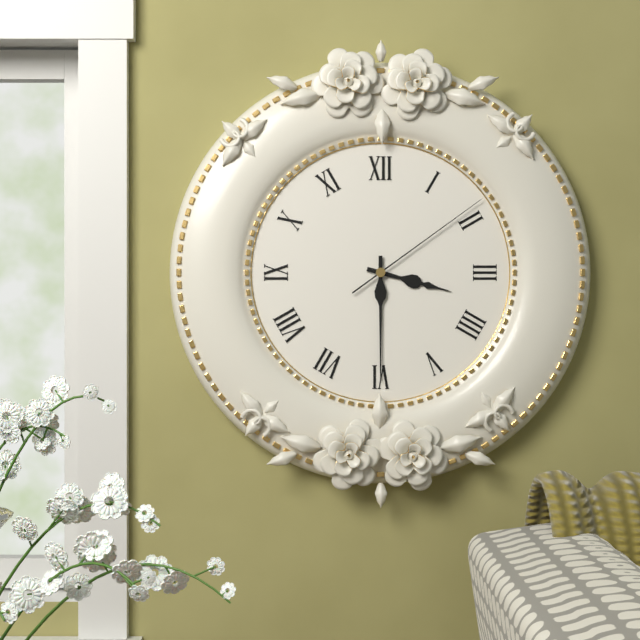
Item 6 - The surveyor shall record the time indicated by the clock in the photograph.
3:30:09
